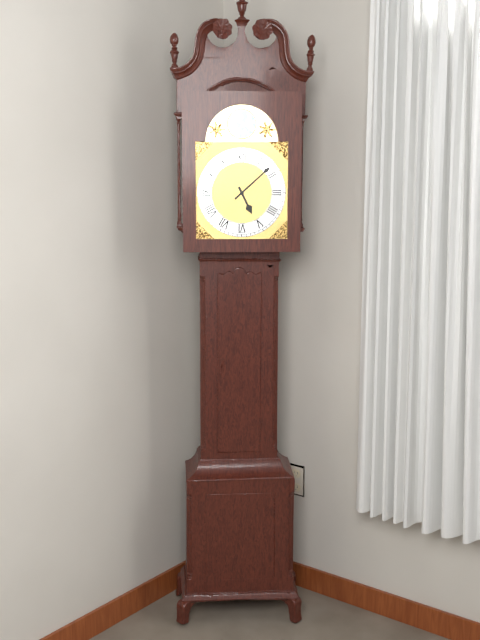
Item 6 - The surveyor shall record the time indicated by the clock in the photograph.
5:08
